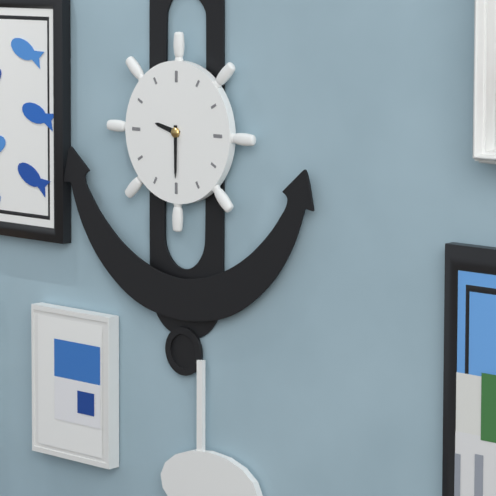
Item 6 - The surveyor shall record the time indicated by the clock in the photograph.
9:30
